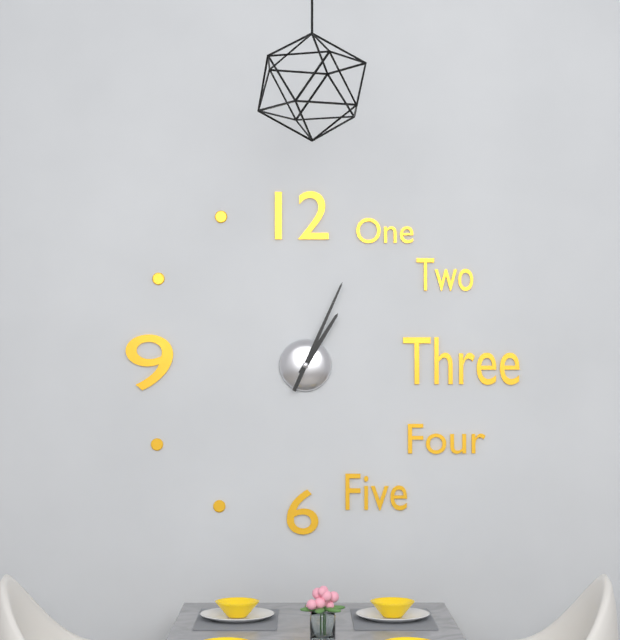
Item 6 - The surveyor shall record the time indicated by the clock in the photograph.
1:04
